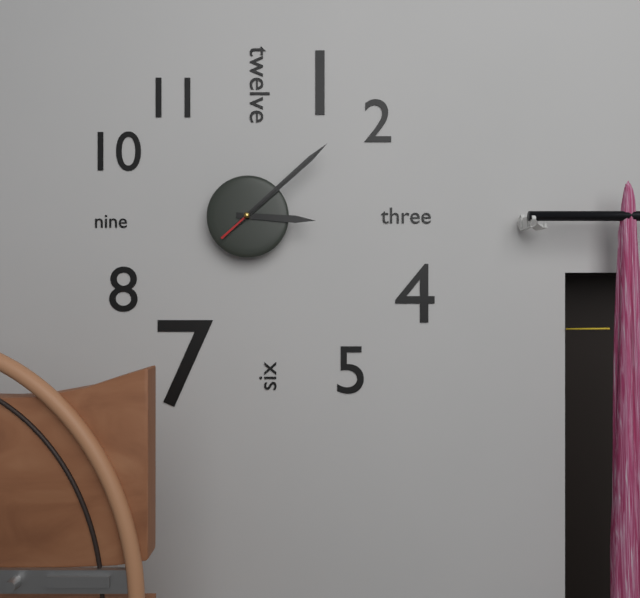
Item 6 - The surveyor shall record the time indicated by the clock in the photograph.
3:08:08
